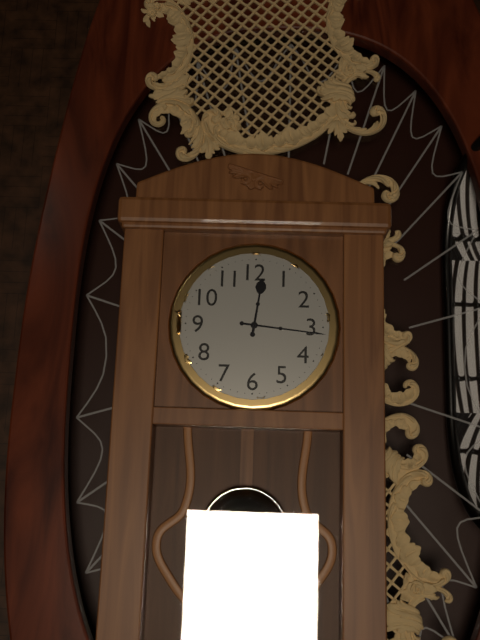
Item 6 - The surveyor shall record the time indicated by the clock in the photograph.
12:16
